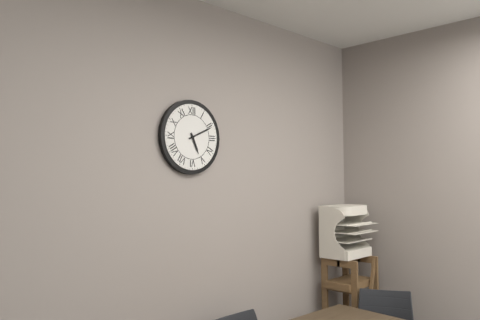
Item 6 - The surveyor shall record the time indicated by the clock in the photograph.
5:11
